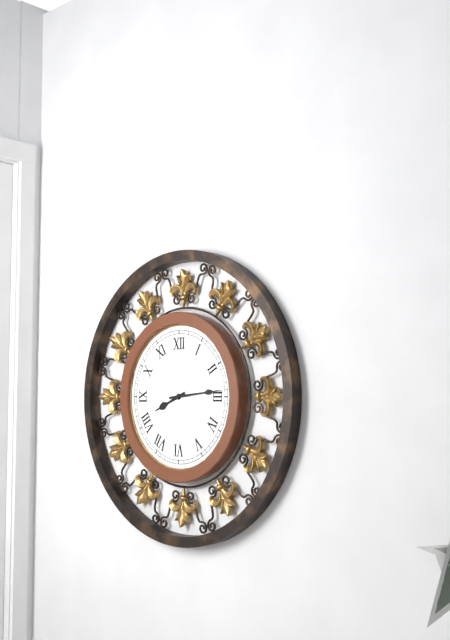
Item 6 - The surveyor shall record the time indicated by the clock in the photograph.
8:14
